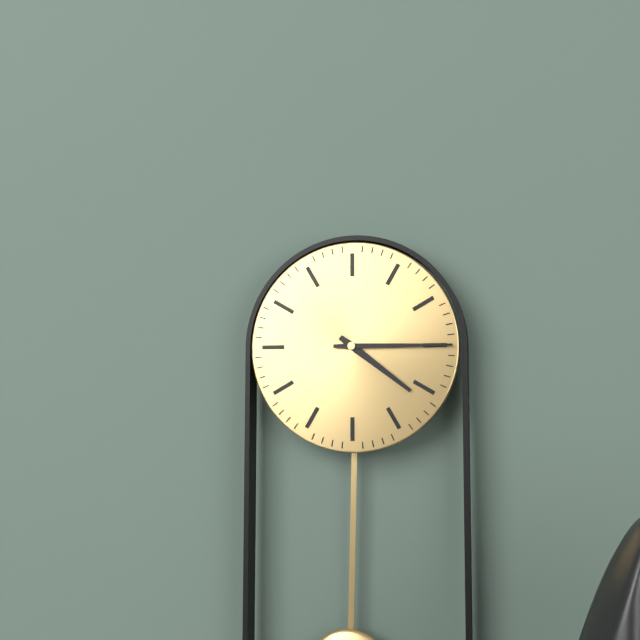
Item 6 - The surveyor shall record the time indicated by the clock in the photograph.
4:15
